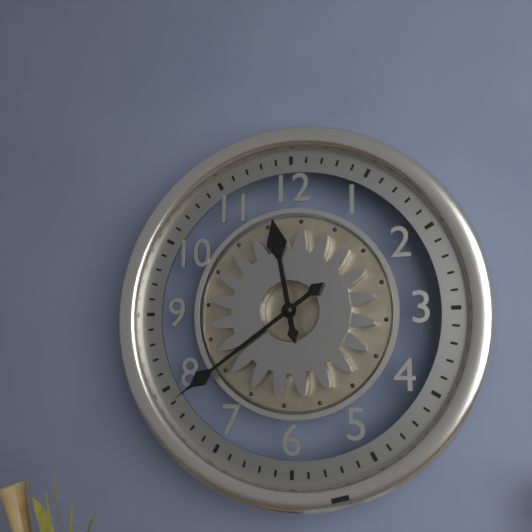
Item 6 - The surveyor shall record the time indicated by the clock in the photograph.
11:39
